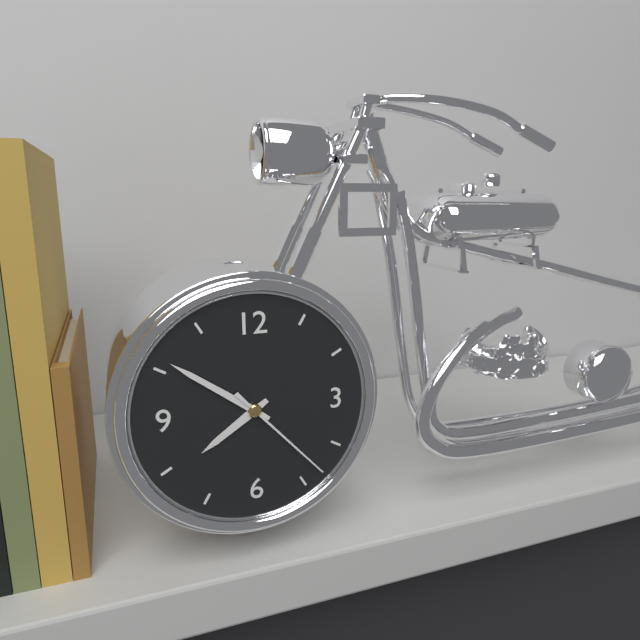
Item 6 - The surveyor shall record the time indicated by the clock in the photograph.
7:51:23
